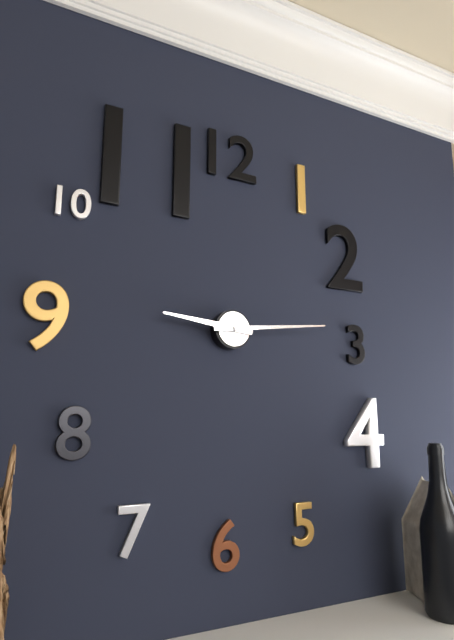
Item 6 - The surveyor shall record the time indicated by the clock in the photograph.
9:14
